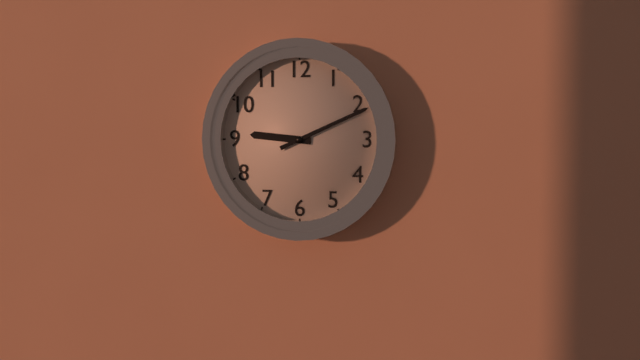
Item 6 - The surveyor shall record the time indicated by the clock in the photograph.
9:11
